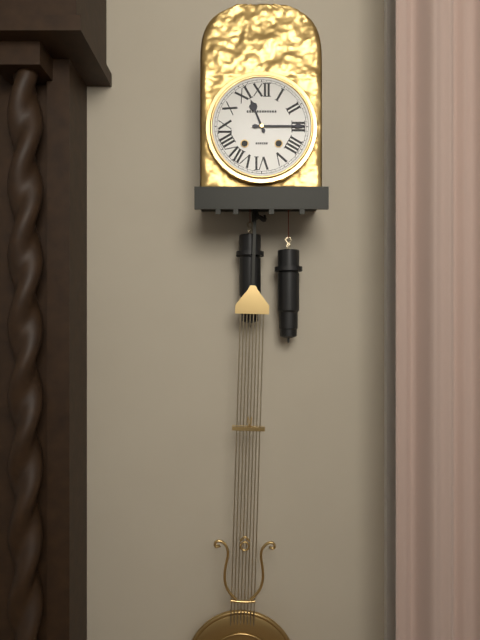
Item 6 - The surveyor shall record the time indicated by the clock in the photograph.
11:15
